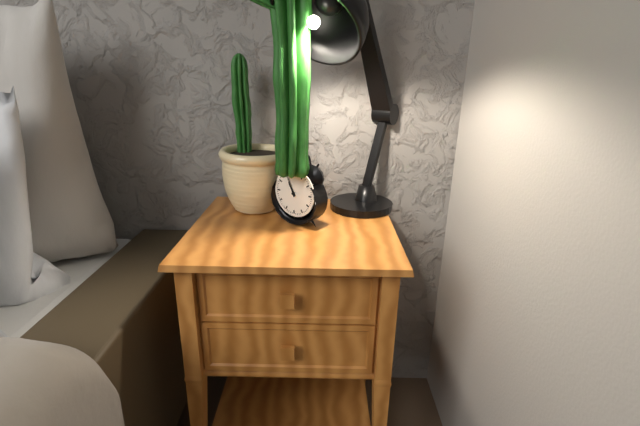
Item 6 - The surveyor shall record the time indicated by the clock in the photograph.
10:56
